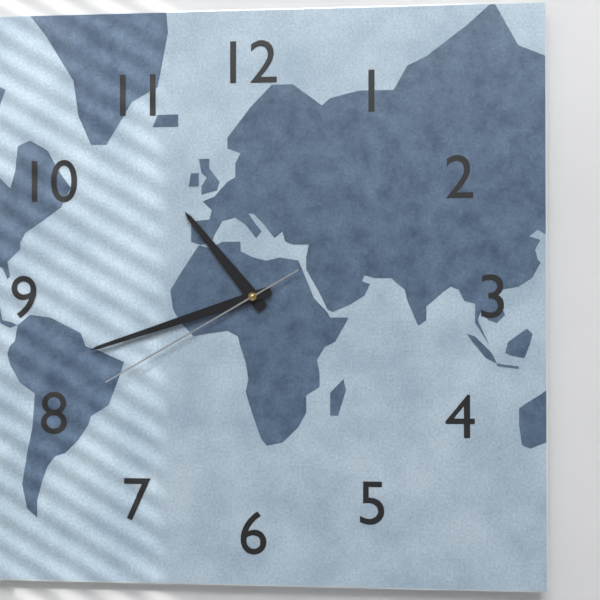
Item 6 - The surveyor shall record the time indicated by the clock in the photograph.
10:42:40
